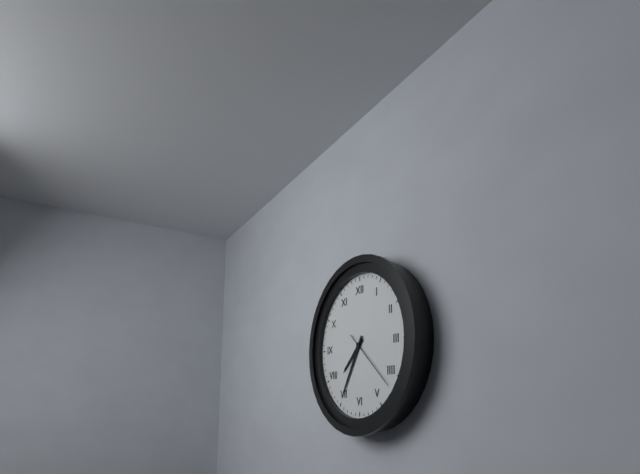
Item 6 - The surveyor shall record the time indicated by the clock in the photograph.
7:35:22
